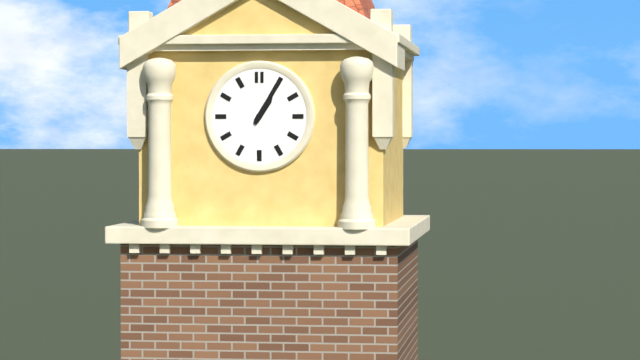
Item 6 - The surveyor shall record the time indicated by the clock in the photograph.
1:05
